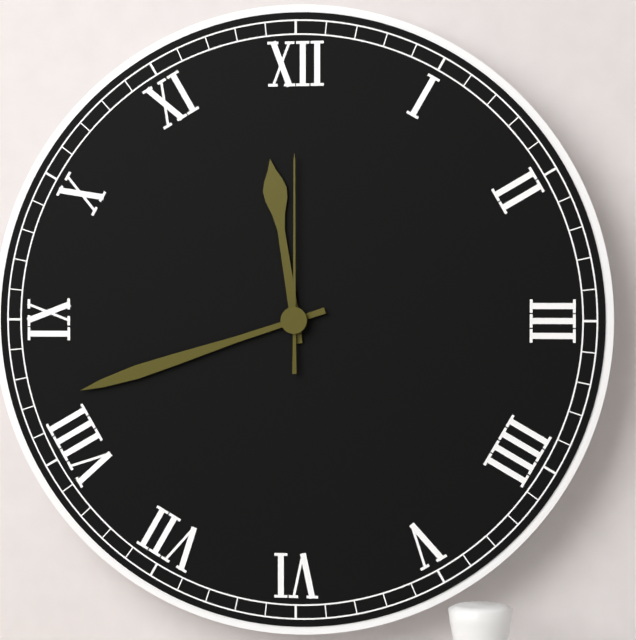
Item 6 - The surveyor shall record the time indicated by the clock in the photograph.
11:42:00
